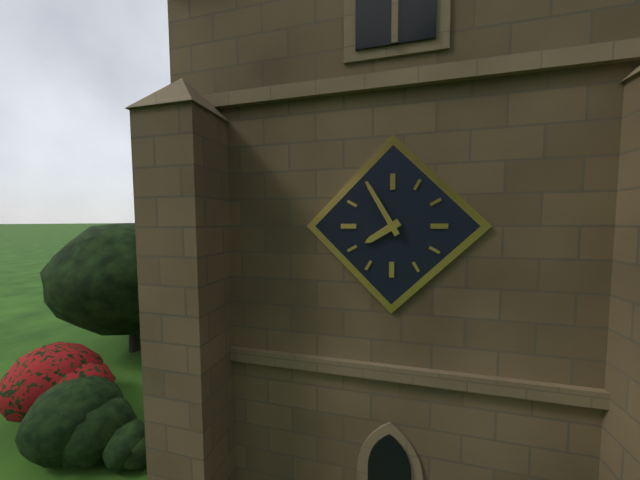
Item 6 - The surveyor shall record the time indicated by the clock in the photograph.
7:55
